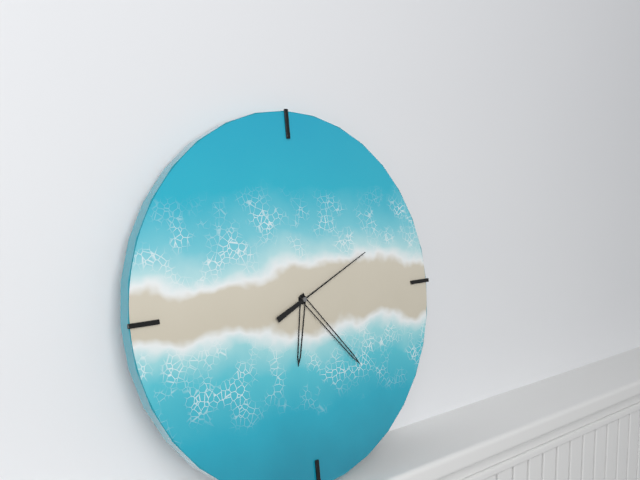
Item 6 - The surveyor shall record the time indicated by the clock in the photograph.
6:23:11
